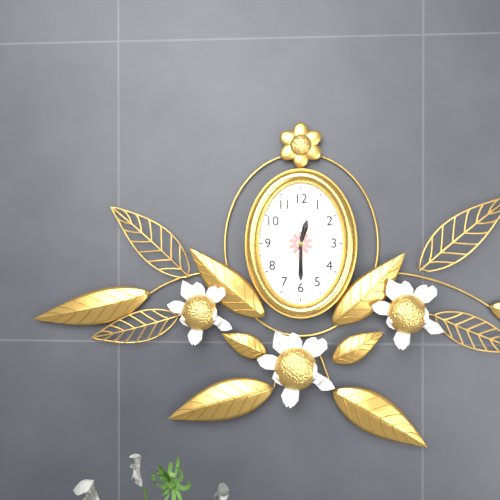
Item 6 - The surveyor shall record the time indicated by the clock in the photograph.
12:30
